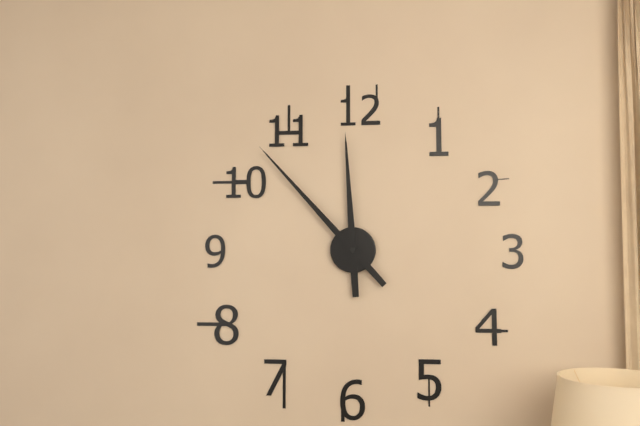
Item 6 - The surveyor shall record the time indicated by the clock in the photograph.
11:53
